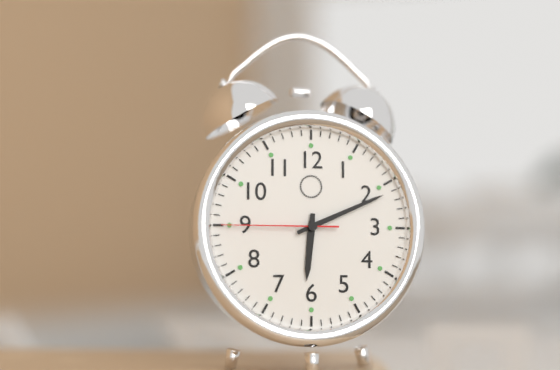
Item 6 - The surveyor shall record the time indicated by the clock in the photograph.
6:11:45
